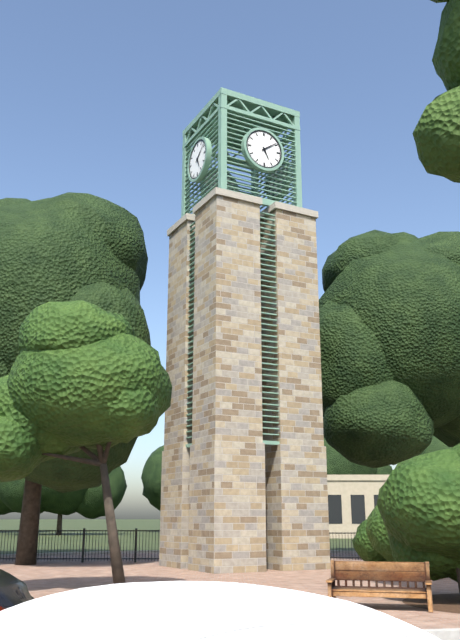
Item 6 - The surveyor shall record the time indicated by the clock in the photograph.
5:09
